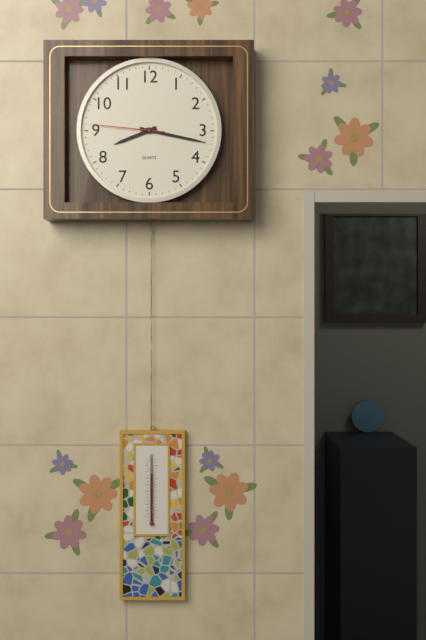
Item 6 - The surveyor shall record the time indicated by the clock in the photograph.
8:17:46
